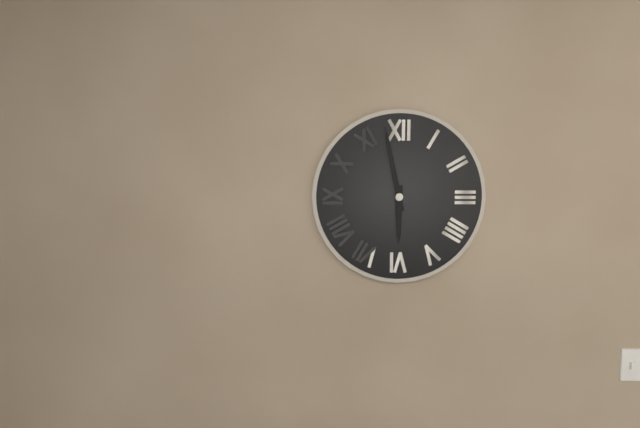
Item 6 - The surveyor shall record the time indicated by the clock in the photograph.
5:58
